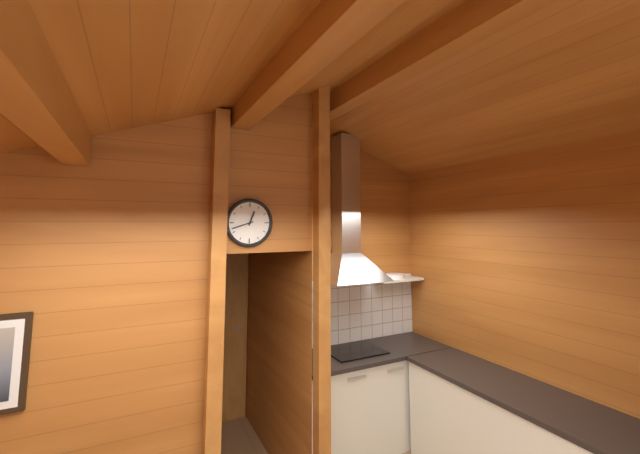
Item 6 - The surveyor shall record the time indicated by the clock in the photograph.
12:42
